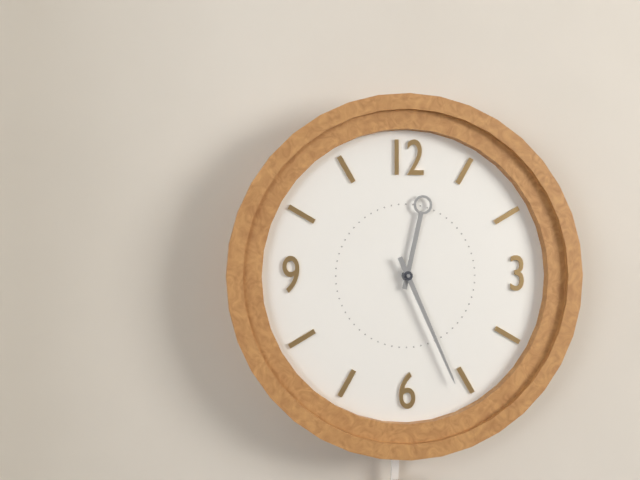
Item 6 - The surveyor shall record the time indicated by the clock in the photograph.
12:26
